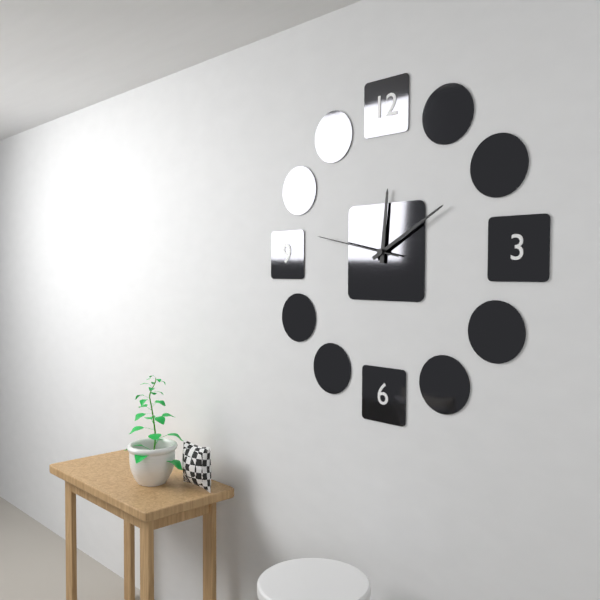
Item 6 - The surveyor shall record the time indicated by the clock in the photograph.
12:10:47
